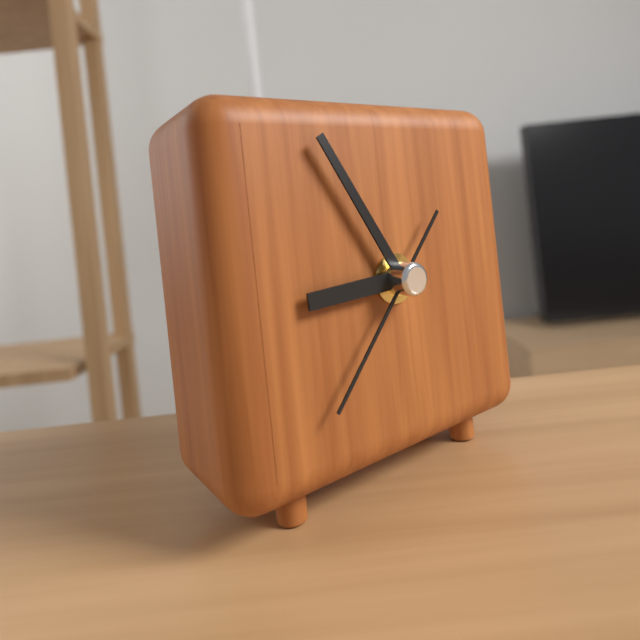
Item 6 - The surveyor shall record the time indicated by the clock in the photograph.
8:55:37
